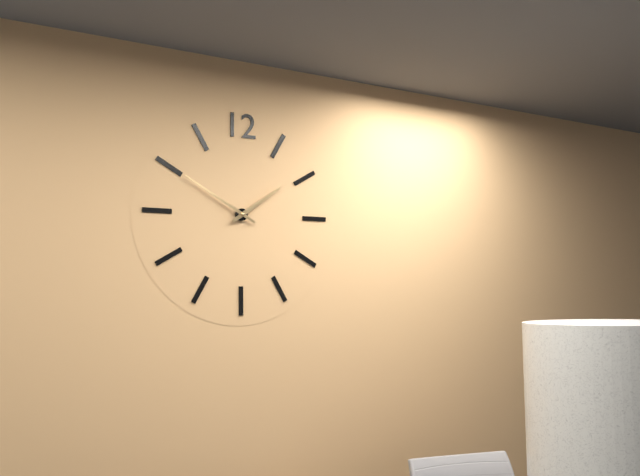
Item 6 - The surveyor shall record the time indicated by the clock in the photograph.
1:50
